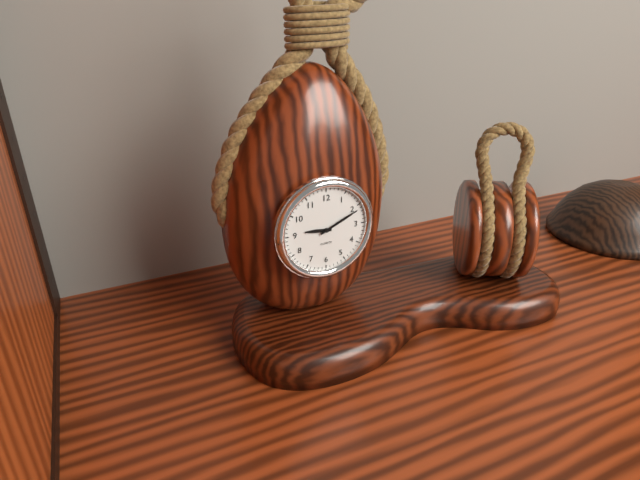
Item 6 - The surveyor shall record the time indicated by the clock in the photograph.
9:11
